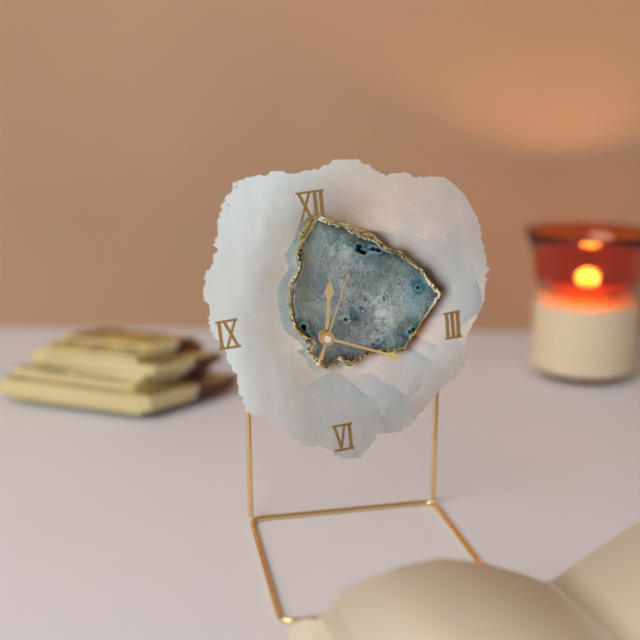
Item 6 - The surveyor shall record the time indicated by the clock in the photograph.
12:19:04
